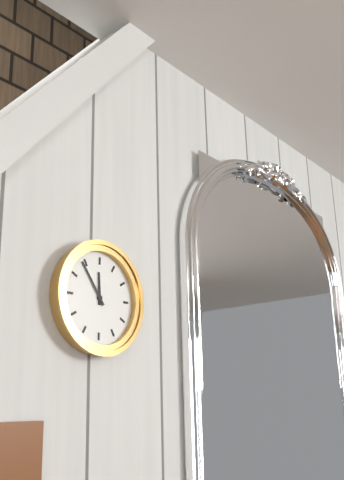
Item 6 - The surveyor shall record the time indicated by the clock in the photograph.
11:54
